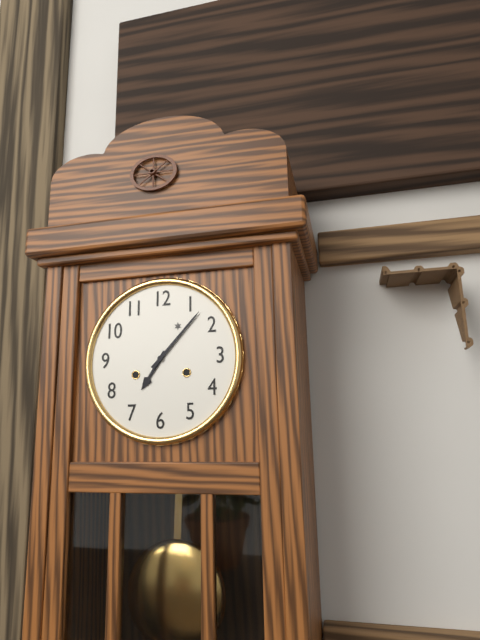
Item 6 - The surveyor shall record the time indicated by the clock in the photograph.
7:07
